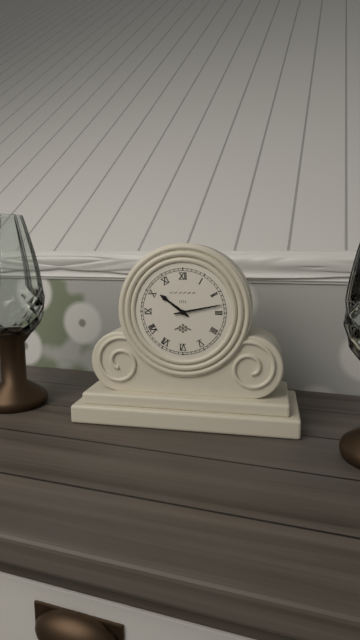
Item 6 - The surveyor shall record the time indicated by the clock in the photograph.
10:13
